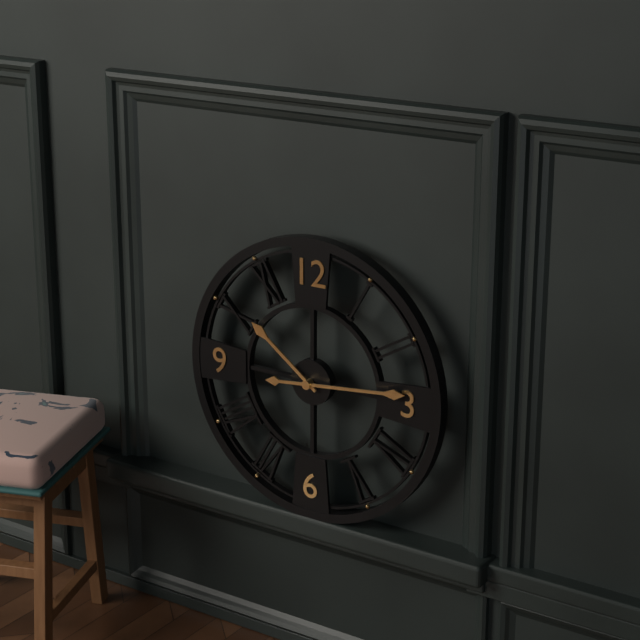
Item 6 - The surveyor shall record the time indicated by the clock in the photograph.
10:14
